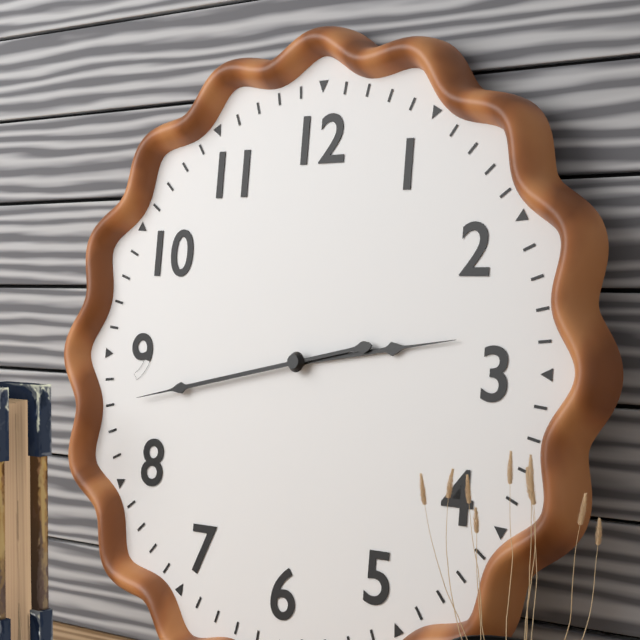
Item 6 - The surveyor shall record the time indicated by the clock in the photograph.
2:43
